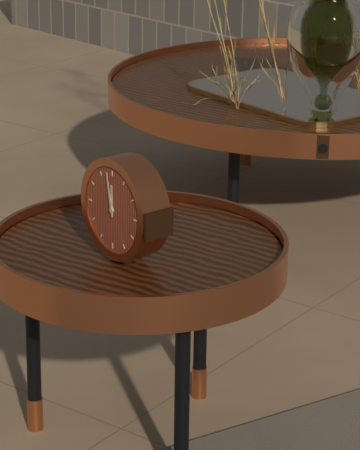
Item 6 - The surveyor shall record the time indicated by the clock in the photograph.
11:58
